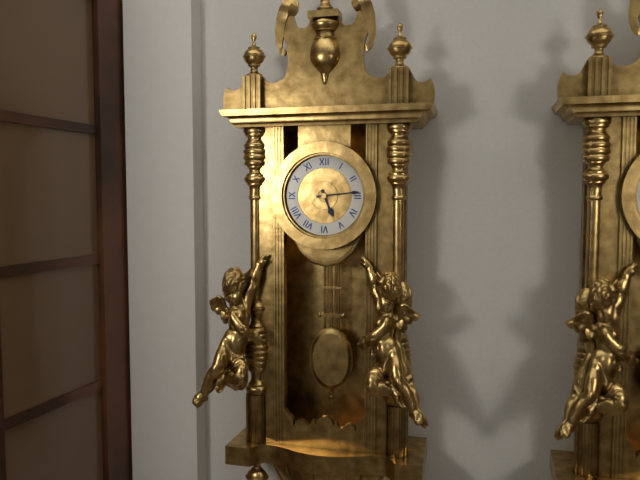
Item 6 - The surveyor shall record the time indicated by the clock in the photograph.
5:14
